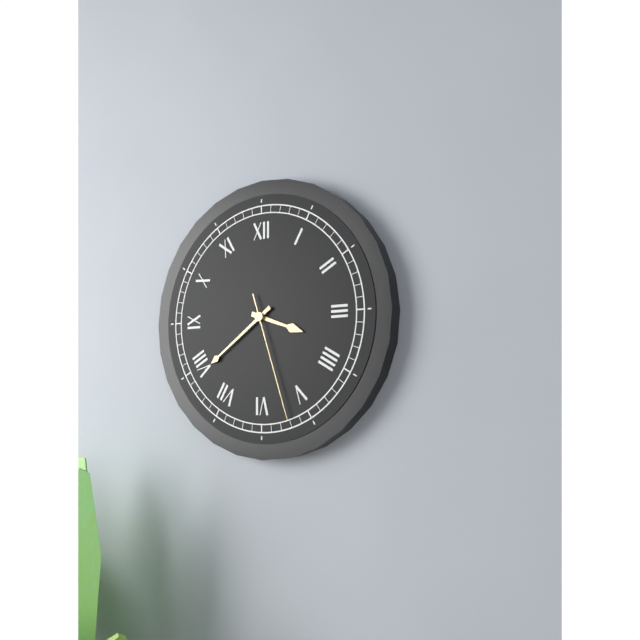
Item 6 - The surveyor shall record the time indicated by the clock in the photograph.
3:39:27
